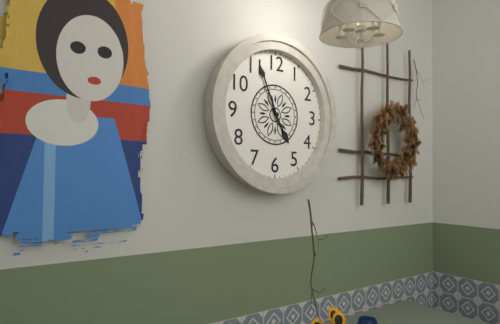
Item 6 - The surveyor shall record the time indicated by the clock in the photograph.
4:56
